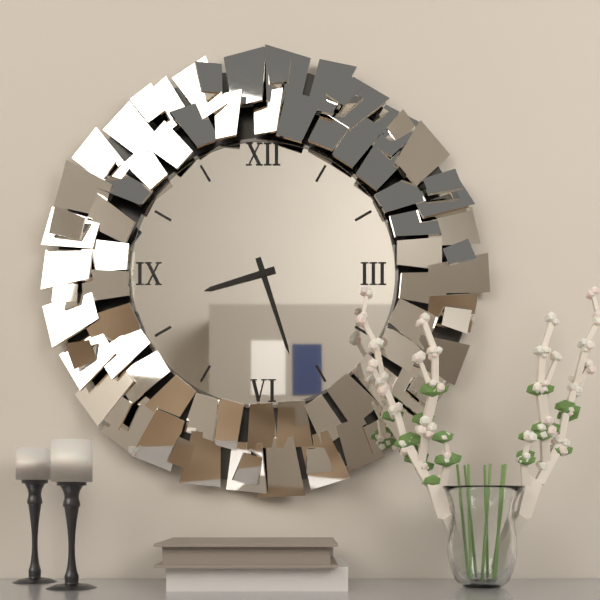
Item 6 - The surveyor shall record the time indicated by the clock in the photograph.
8:27
